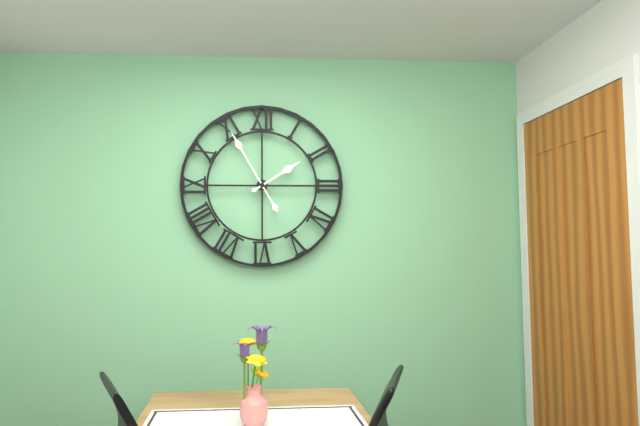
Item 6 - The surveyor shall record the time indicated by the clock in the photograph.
1:55
